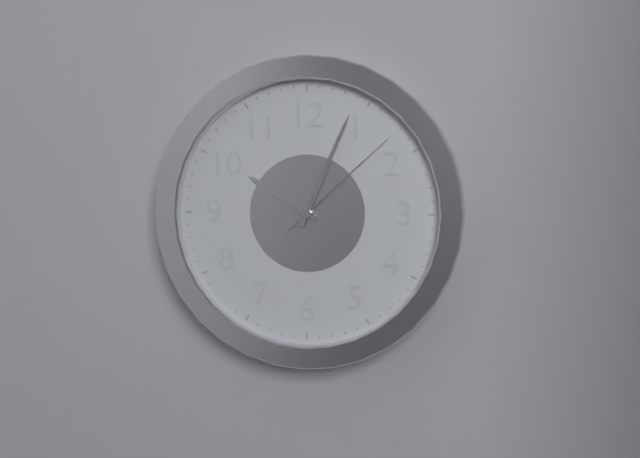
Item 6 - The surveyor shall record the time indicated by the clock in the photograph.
10:04:08
